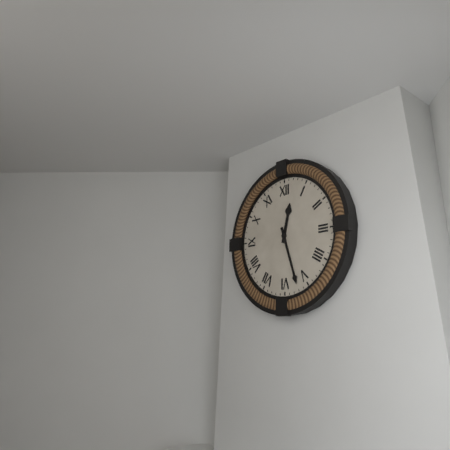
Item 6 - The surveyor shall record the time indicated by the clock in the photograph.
12:27
